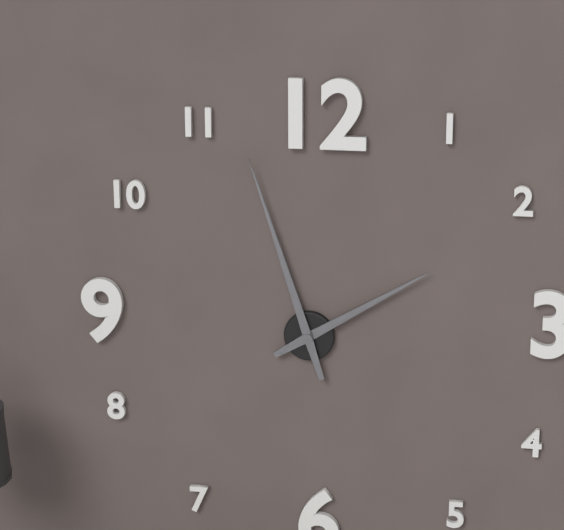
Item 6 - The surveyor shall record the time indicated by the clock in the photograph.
1:57
